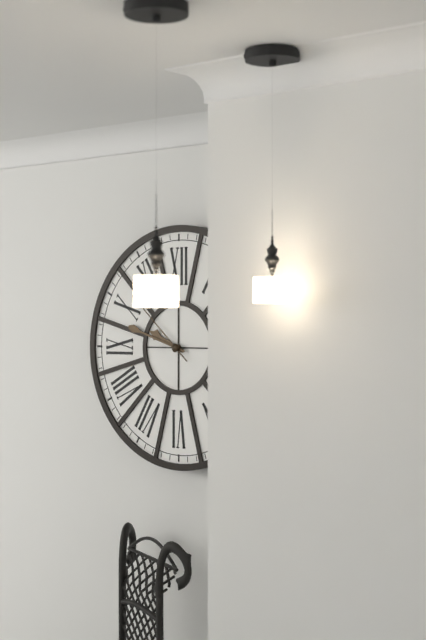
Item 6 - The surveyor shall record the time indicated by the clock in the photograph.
9:48:52
